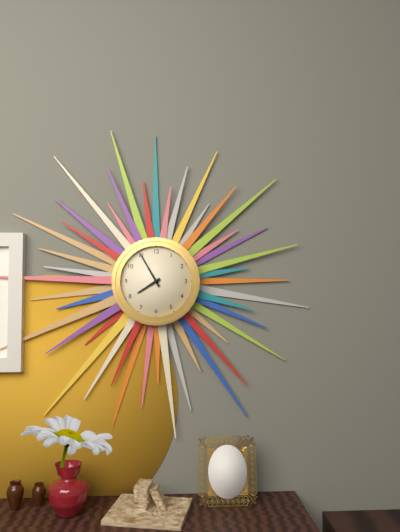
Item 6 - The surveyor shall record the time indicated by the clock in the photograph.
7:55
